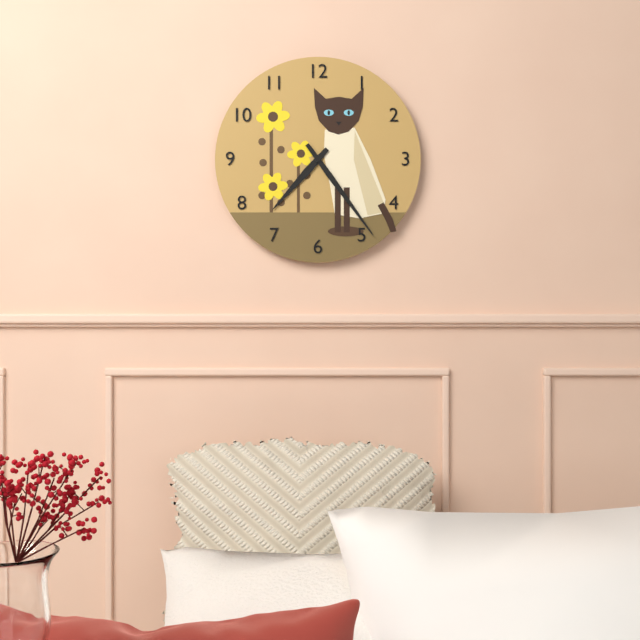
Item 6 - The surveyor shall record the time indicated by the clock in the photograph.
7:24
